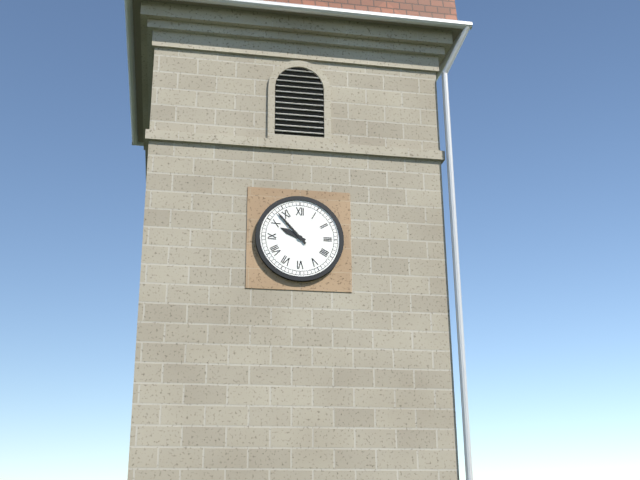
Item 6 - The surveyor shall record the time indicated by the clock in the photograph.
9:53
